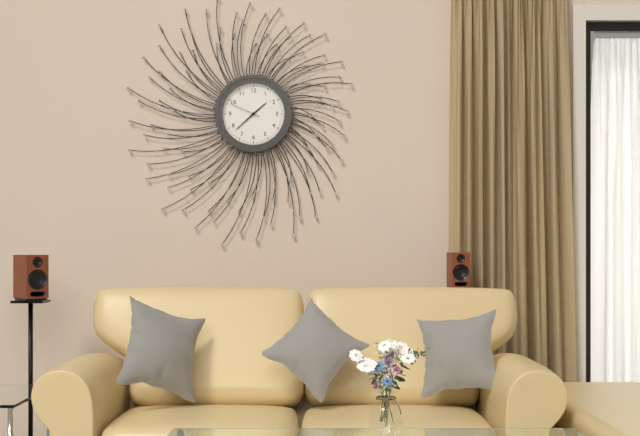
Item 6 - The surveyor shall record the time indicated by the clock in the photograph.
1:38
